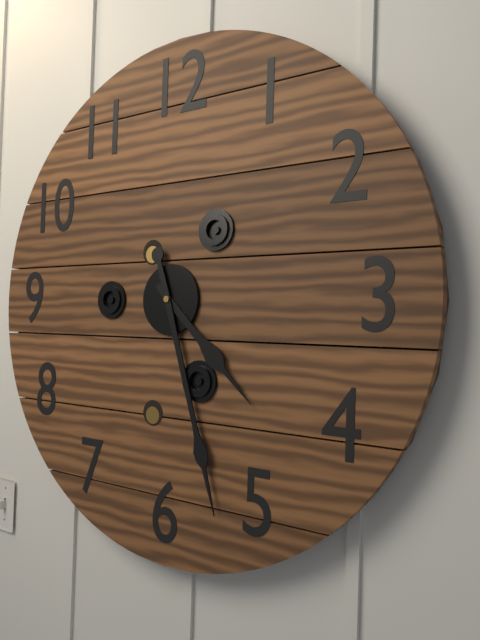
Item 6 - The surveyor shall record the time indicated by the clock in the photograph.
4:27
